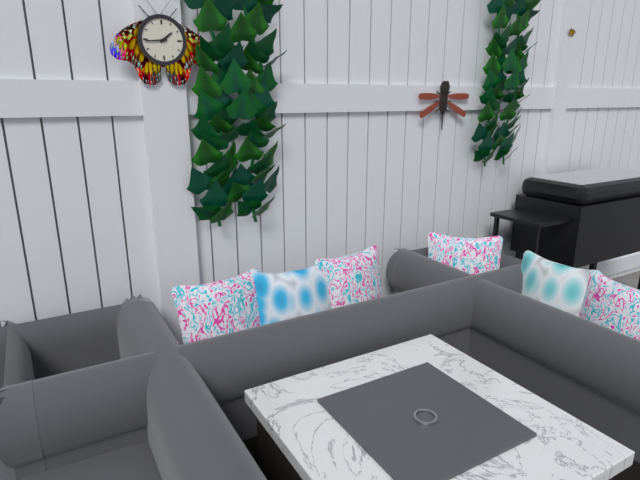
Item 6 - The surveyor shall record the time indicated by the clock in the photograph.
1:44
